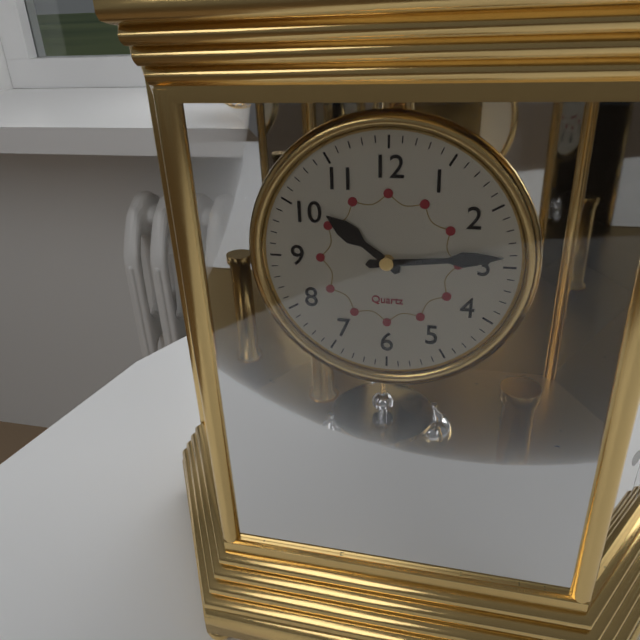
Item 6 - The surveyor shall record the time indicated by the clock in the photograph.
10:14
